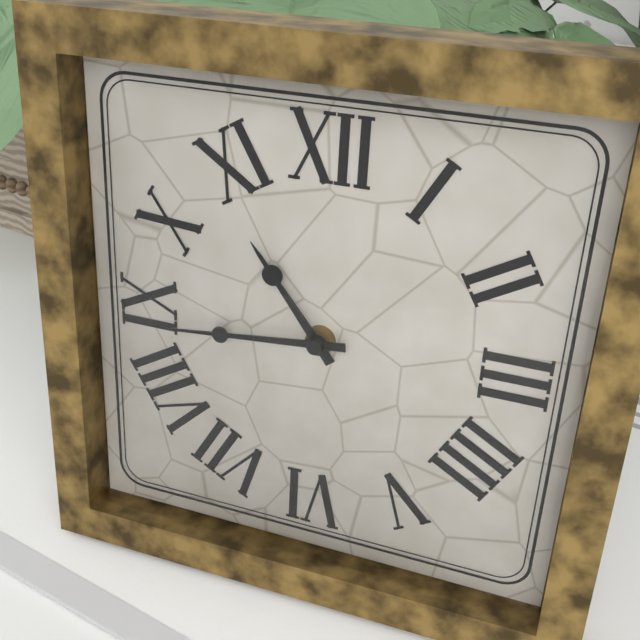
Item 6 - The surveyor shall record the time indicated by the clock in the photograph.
10:44
